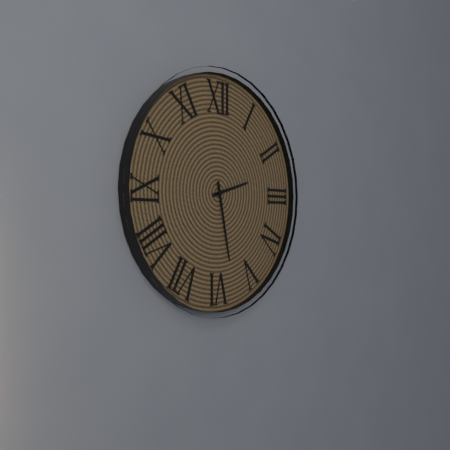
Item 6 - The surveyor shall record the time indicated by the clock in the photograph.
2:28
